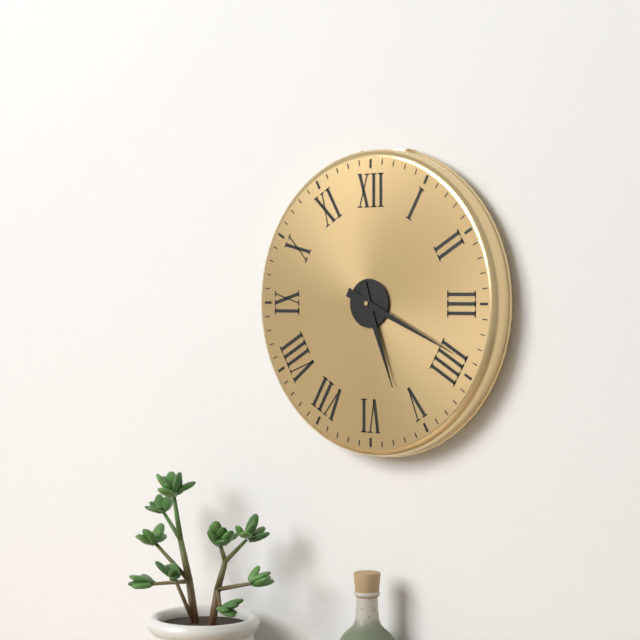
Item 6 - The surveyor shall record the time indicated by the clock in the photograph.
5:19
